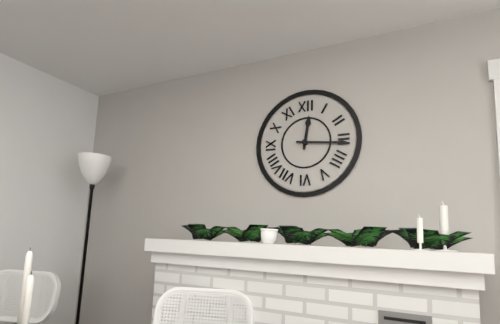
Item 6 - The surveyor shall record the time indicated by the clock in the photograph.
12:16
